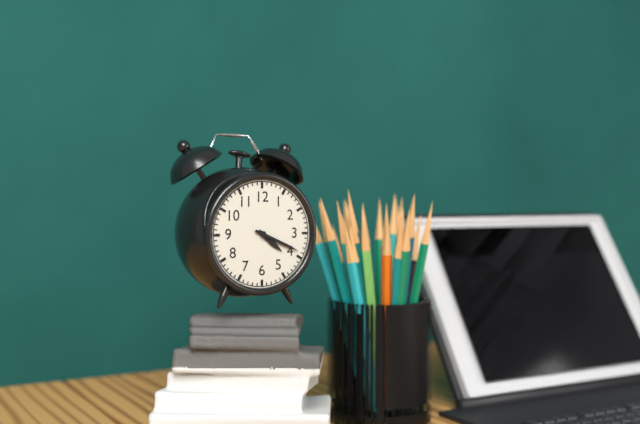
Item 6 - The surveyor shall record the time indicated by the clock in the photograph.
4:19
